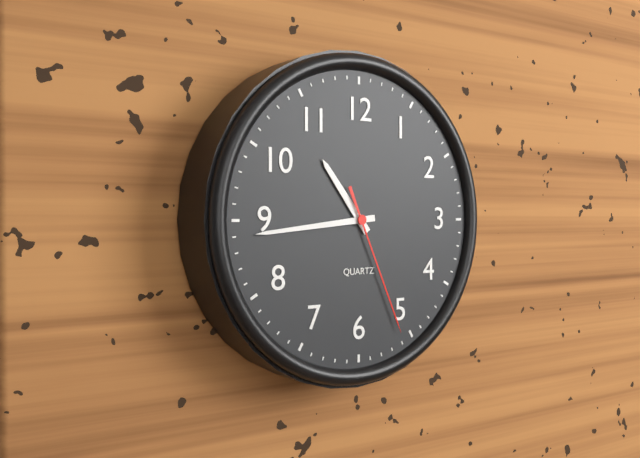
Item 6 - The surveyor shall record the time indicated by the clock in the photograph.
10:44:26
